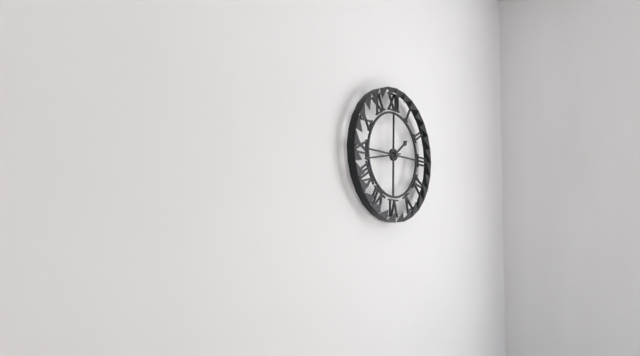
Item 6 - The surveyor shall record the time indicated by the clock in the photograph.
1:43
